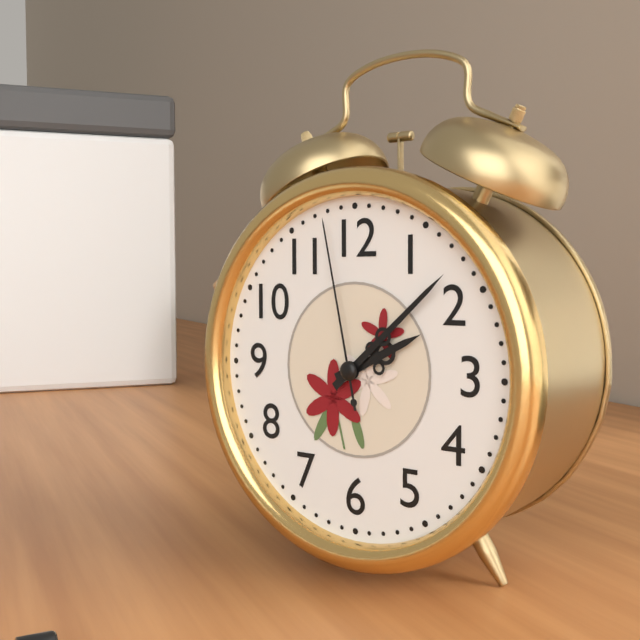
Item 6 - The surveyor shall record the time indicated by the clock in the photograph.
2:08:58
